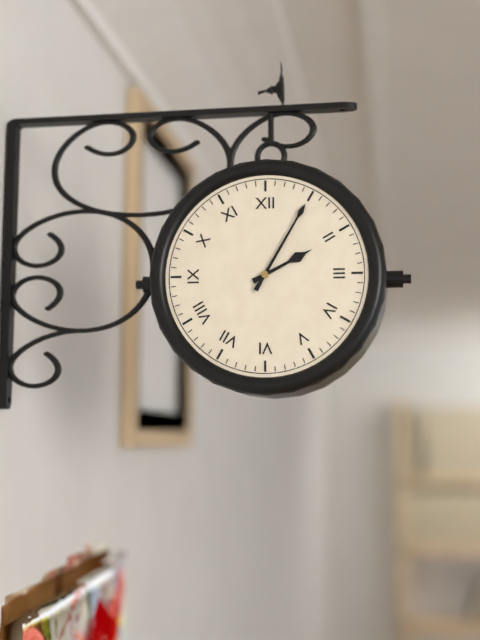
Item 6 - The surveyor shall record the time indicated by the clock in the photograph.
2:05
